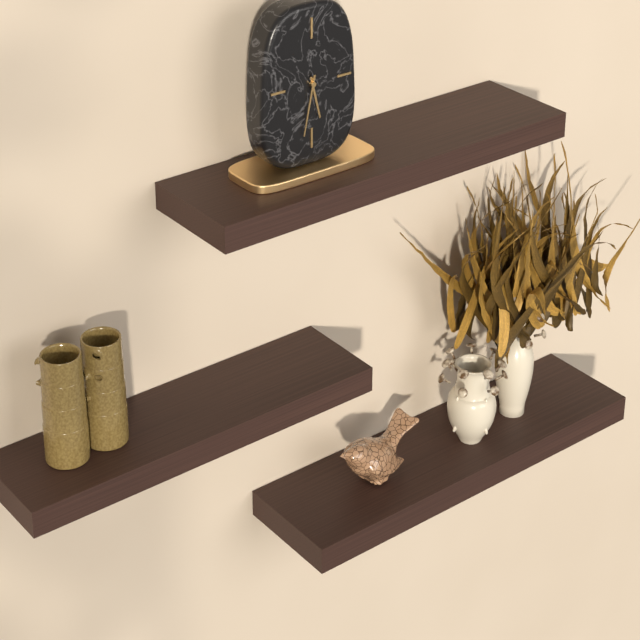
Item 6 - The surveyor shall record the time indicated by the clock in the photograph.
5:32
